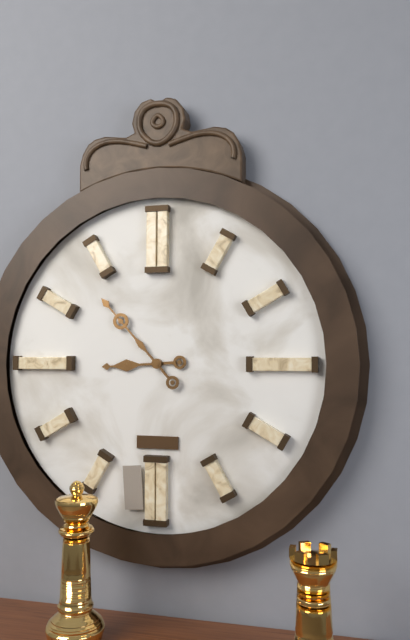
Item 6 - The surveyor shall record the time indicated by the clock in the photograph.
8:53
